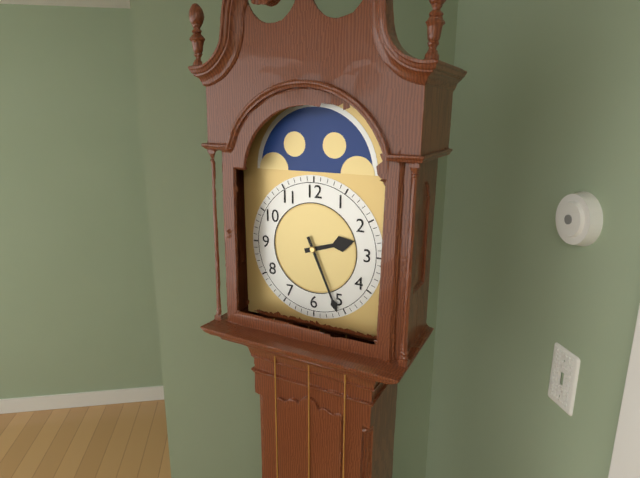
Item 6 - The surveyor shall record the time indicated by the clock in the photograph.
2:26
